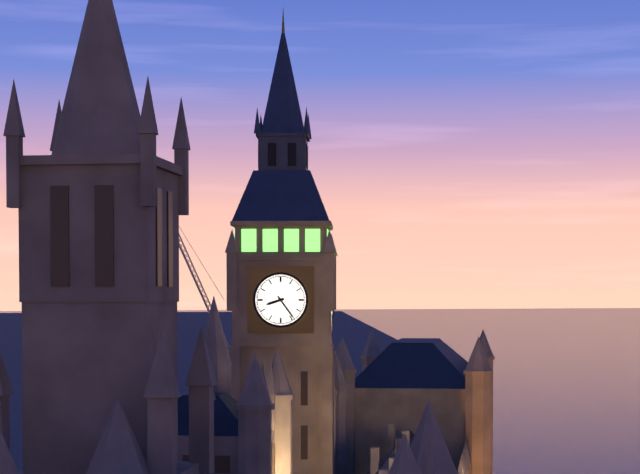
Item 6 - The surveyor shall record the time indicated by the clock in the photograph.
8:24
